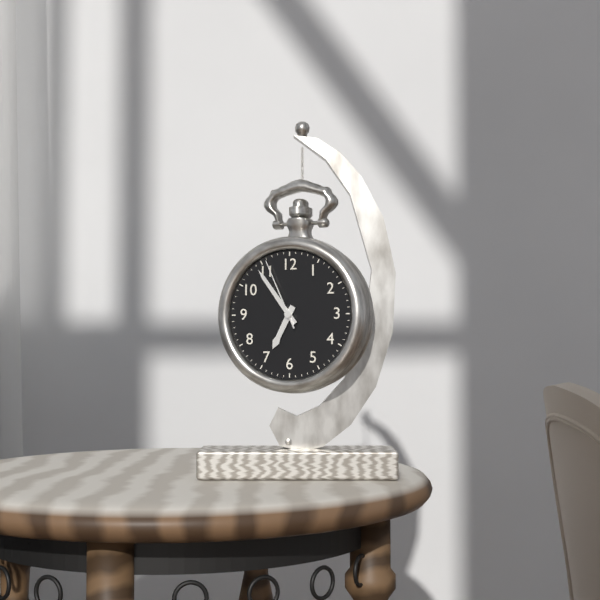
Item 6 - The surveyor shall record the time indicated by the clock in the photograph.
6:54:56
